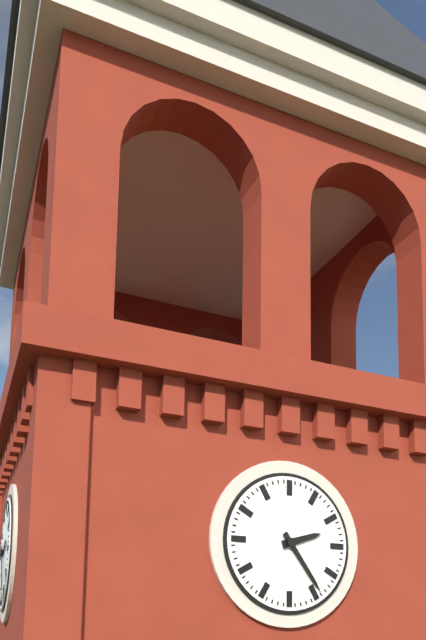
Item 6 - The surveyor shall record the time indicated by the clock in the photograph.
2:24
